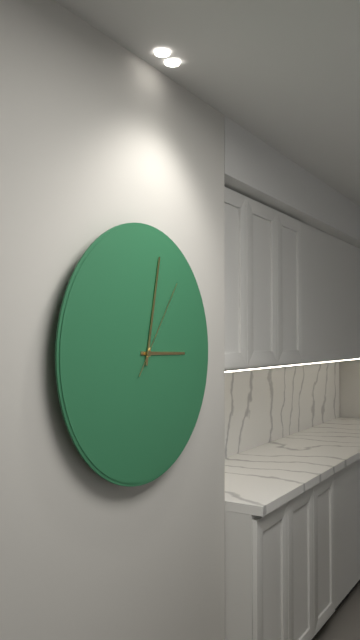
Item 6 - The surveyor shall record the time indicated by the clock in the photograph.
3:02:06
